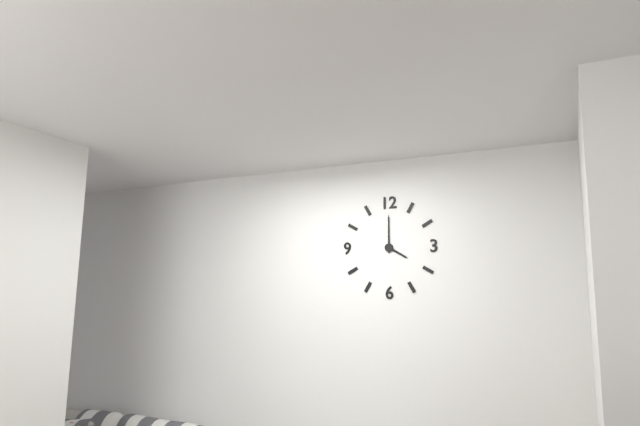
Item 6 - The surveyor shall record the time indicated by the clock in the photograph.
4:00
